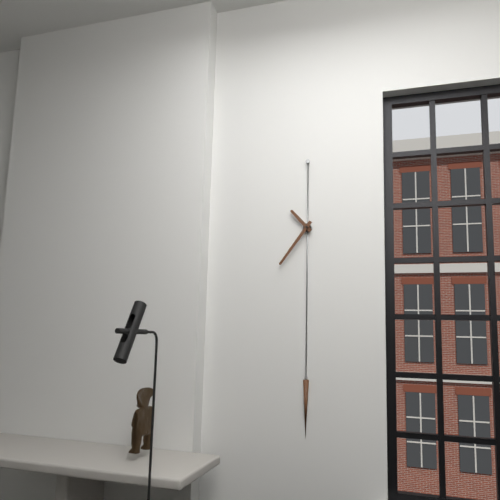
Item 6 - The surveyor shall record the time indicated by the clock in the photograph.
10:36
